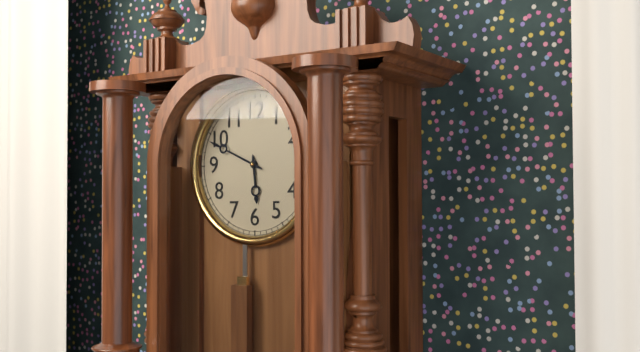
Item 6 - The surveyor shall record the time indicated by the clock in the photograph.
5:49
